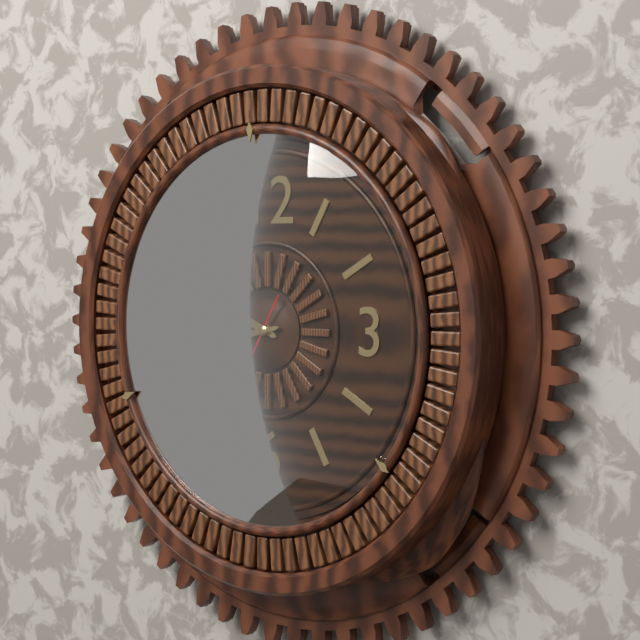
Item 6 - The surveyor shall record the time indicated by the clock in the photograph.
9:43:35
